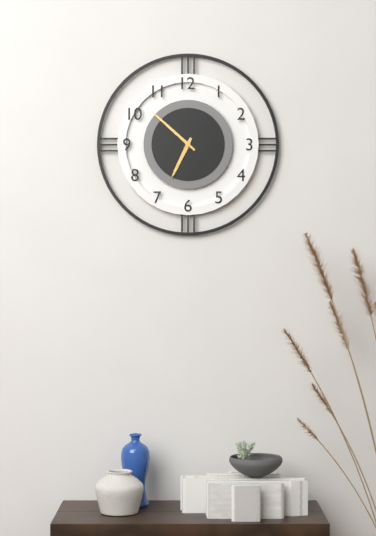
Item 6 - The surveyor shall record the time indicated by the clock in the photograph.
6:52
